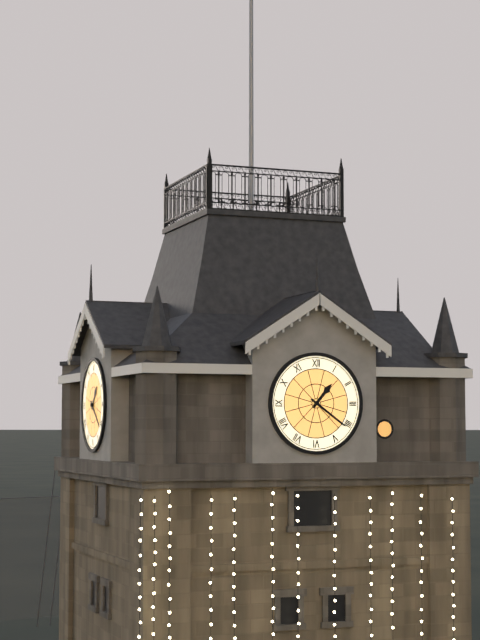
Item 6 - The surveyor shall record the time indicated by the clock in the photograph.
1:21
